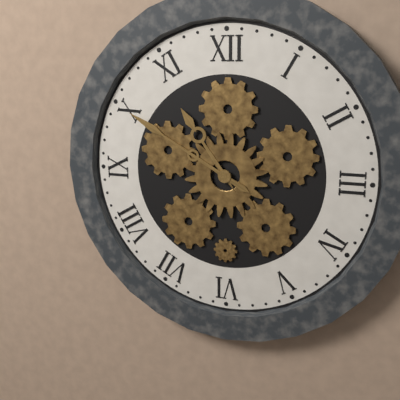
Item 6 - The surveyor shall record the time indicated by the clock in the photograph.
10:50
